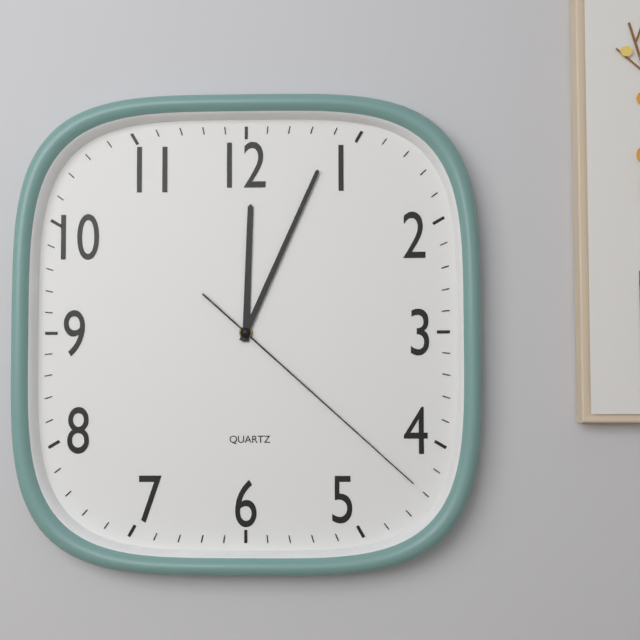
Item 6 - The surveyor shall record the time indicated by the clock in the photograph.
12:04:22
